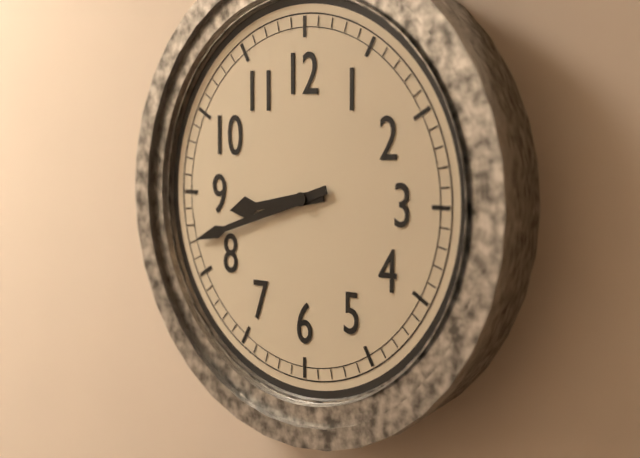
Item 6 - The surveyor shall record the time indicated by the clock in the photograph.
8:42
